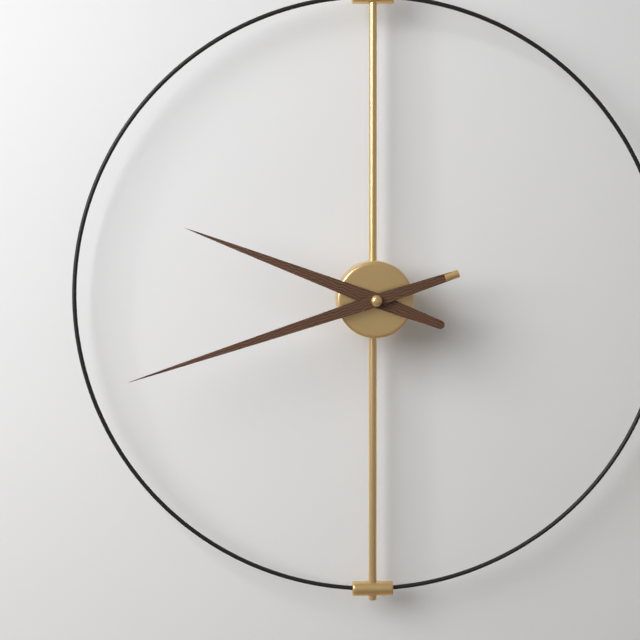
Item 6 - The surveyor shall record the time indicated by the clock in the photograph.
9:42
